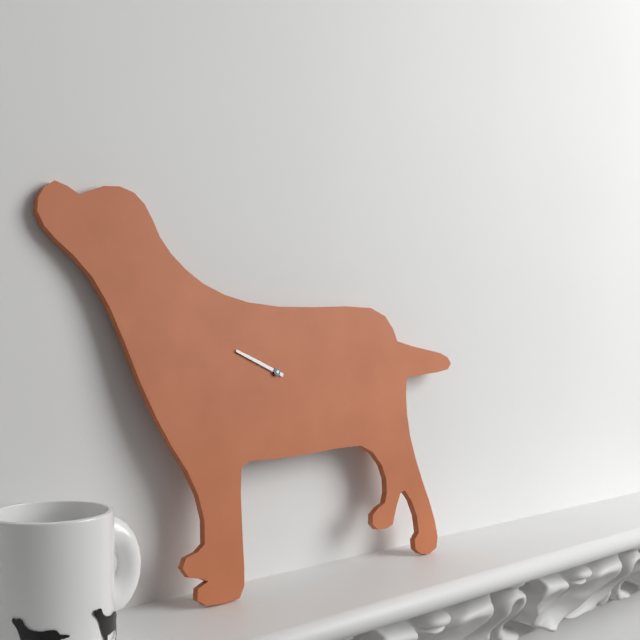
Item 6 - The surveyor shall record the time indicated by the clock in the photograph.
9:49
